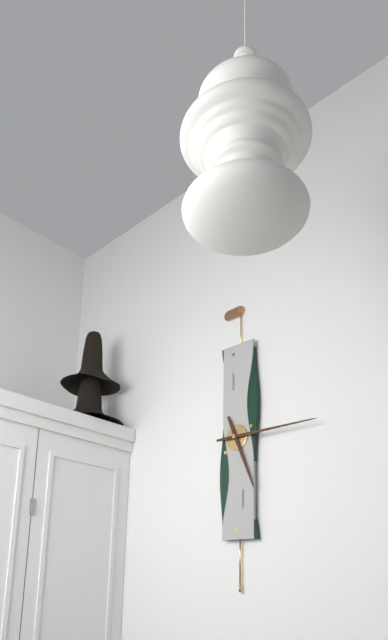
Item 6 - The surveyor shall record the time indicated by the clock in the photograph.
5:15
